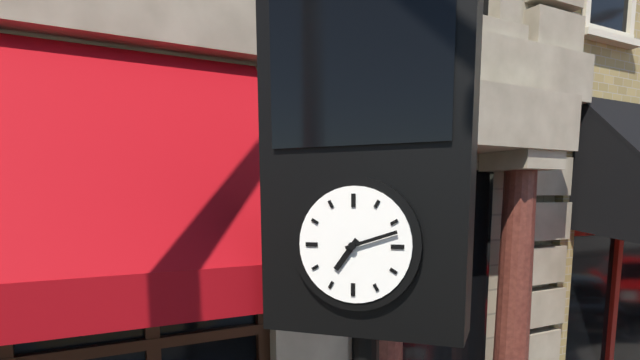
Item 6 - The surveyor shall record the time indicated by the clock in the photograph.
7:12
